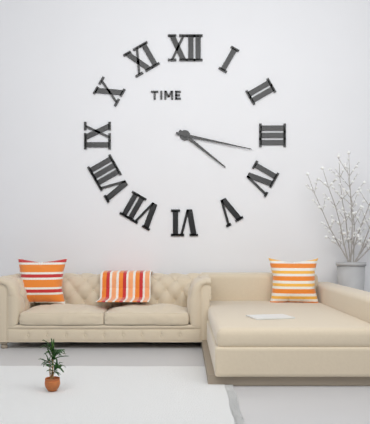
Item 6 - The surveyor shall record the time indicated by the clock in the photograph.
4:17
